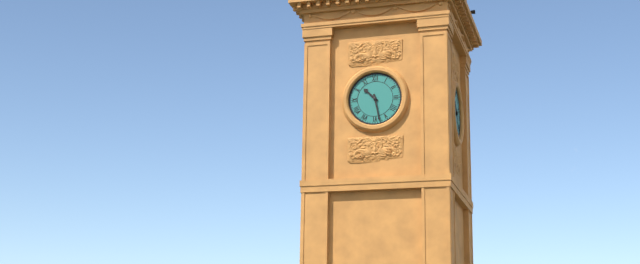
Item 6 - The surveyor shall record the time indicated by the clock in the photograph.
10:28
